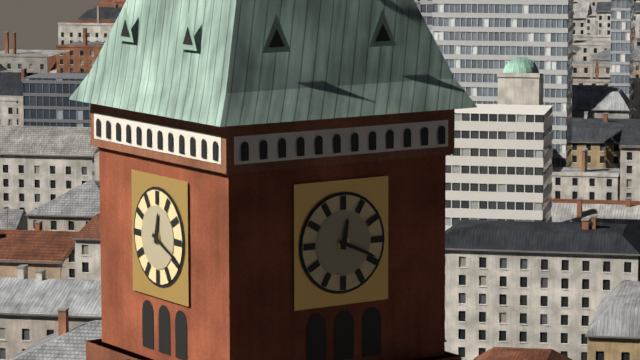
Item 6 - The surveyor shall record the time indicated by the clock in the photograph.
12:19
